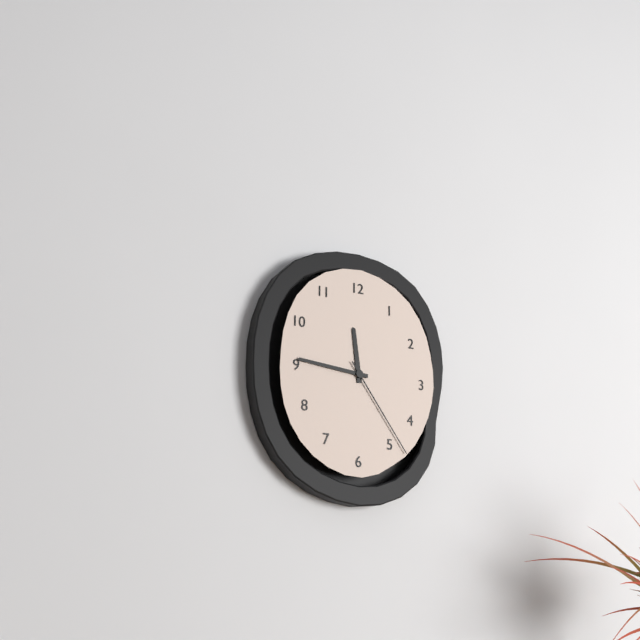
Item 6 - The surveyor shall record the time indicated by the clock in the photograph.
11:46:24
